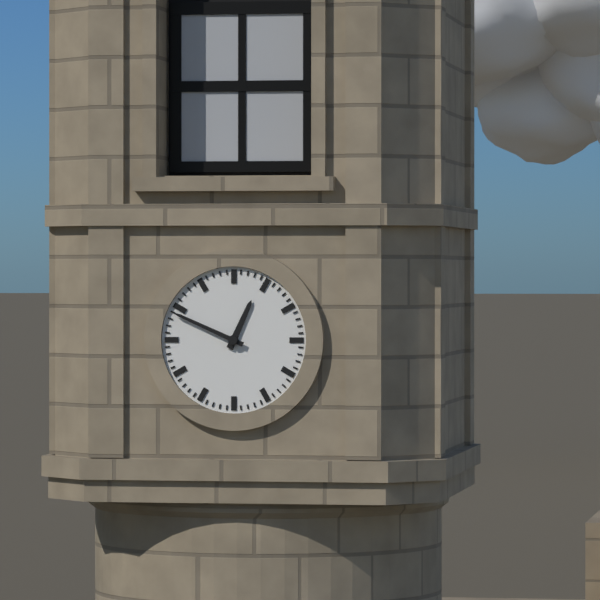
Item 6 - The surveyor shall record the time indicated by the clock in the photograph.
12:49
